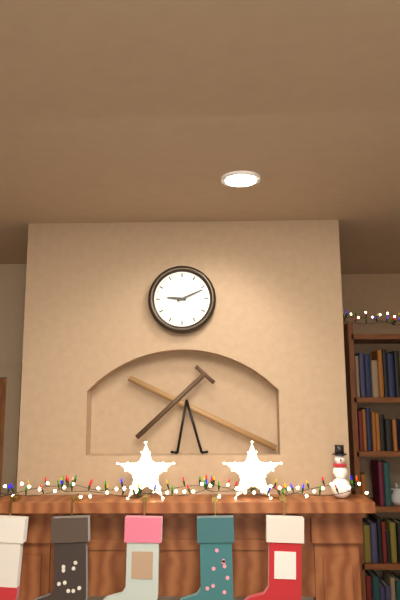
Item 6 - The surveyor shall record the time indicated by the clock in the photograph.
9:11
